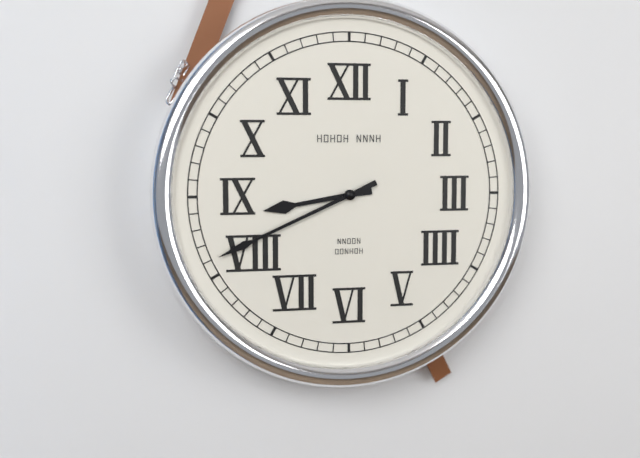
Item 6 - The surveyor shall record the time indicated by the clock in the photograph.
8:41
